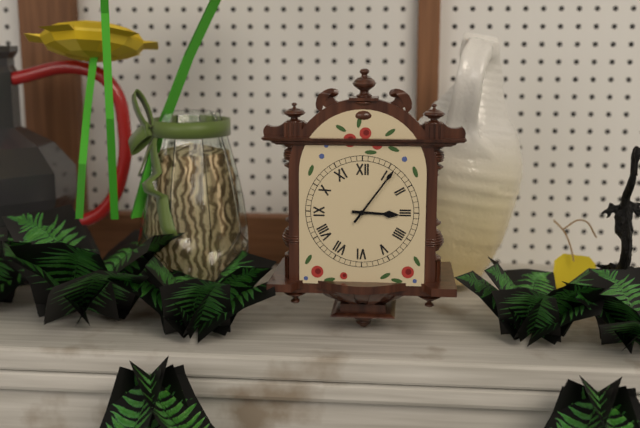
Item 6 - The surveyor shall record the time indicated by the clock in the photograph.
3:06
